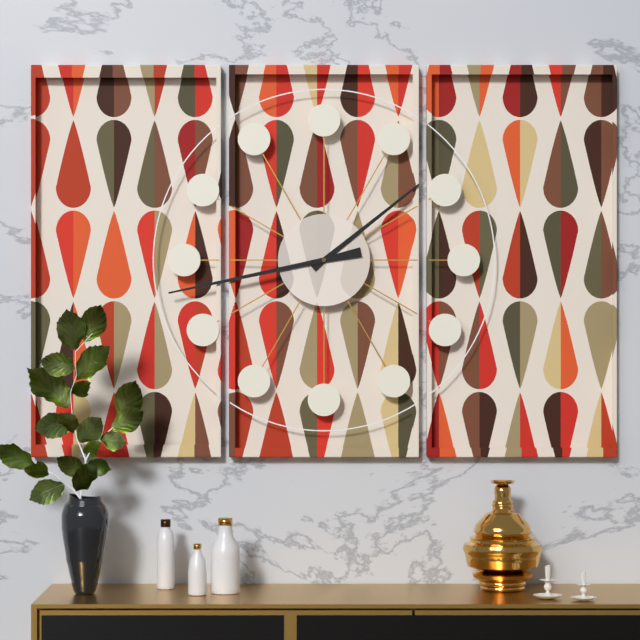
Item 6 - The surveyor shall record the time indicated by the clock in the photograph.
1:43
